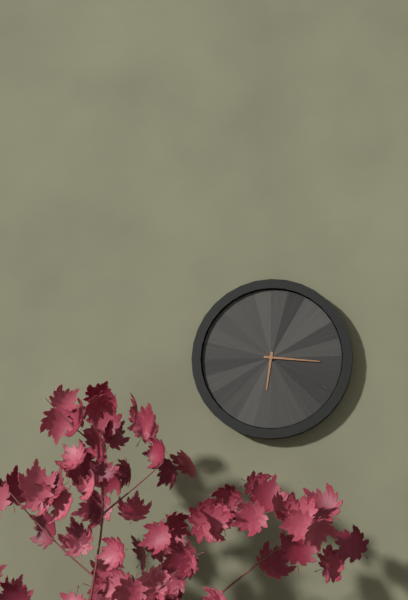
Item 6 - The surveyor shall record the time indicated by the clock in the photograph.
6:16
